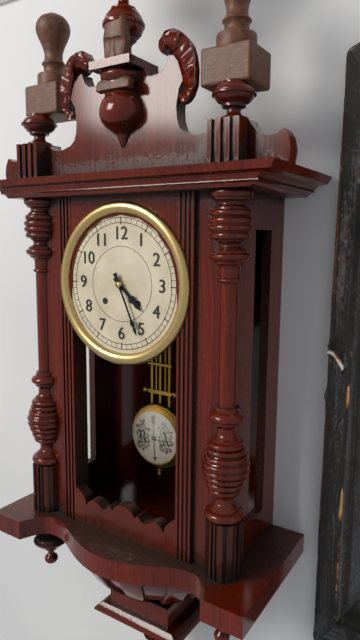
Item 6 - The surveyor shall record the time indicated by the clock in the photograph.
4:26
